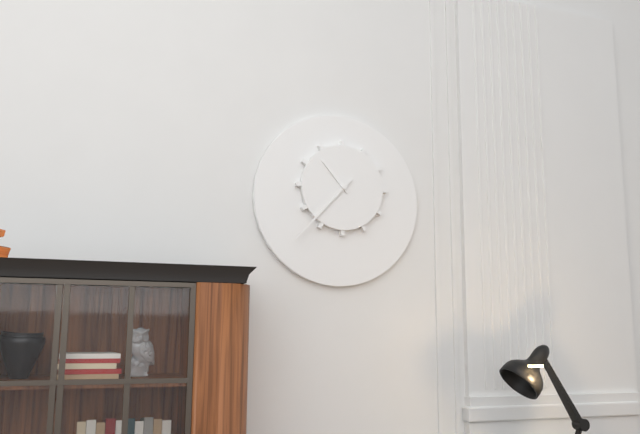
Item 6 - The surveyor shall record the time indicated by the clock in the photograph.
10:37
